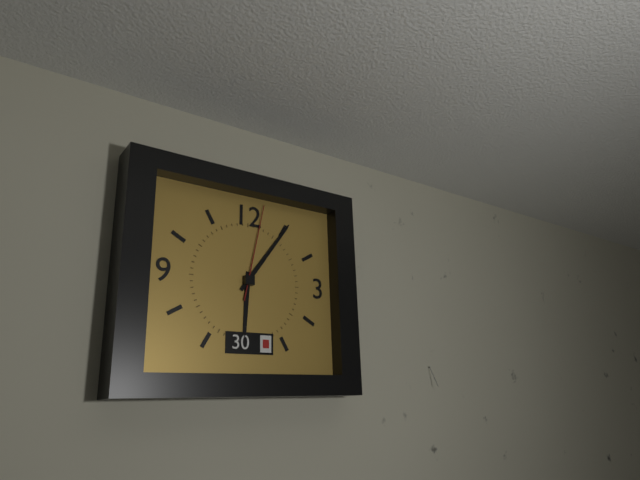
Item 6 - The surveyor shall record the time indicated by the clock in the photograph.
6:06:02
